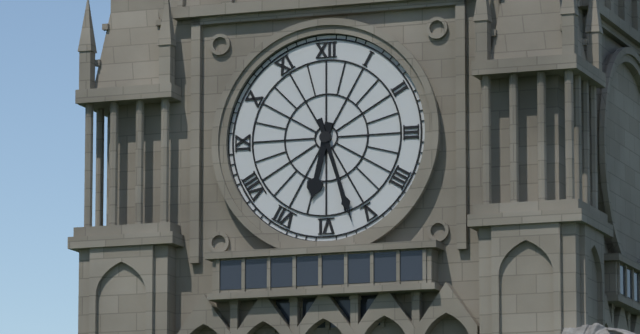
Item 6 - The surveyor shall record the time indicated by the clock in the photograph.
6:27
